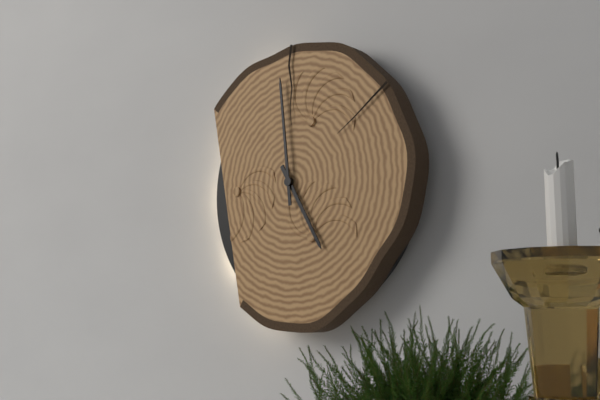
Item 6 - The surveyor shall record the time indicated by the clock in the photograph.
4:59
